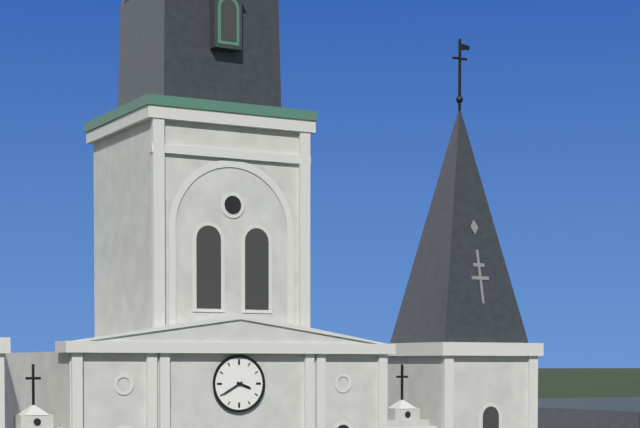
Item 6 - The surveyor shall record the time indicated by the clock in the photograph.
3:40
